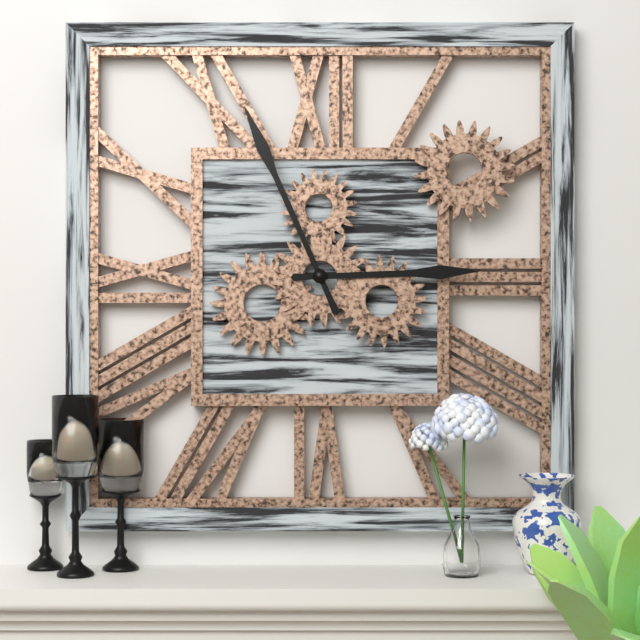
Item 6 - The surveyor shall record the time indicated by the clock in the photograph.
2:56
